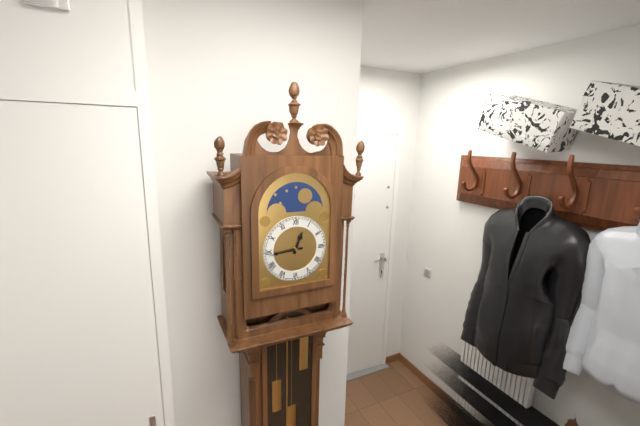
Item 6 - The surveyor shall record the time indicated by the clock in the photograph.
12:44
